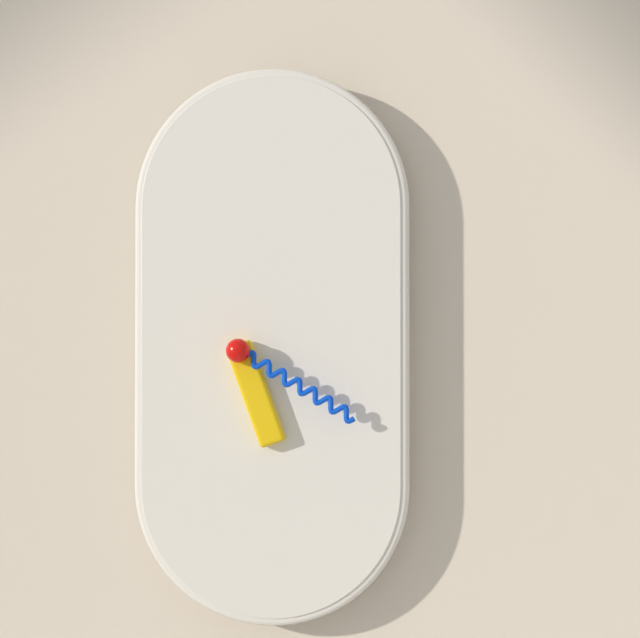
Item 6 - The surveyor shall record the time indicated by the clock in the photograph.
5:20
